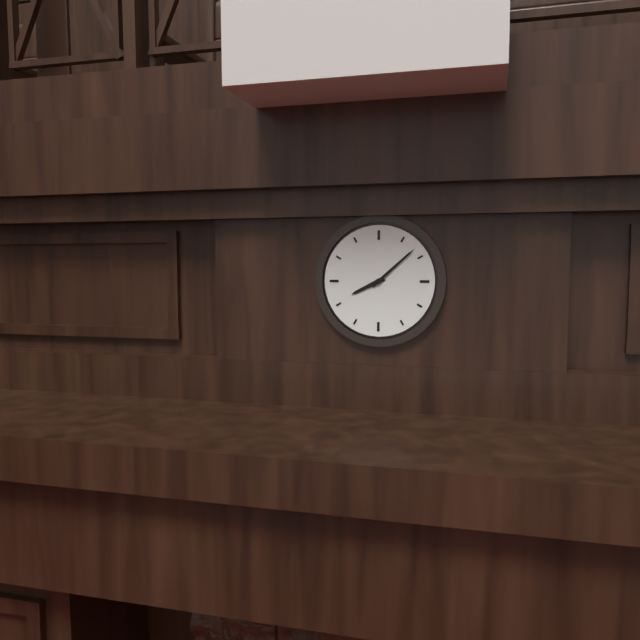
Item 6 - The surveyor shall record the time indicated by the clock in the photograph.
8:08
